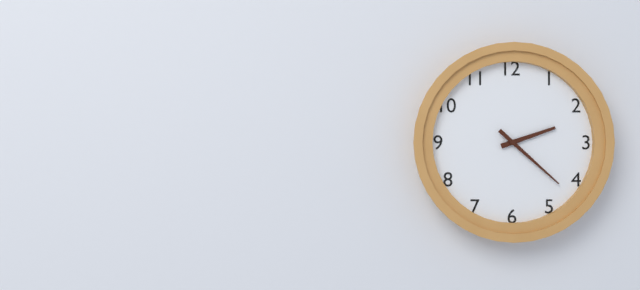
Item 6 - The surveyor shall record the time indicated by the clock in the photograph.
2:22
